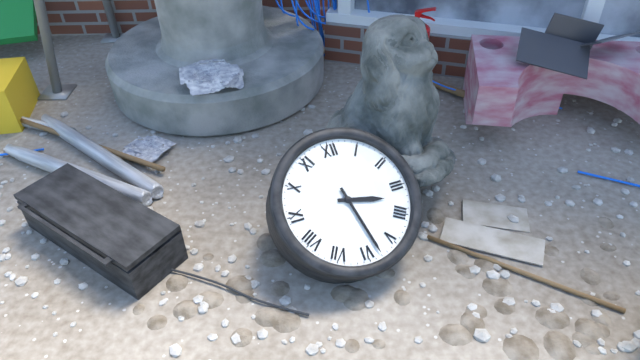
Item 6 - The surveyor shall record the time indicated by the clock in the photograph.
3:28
